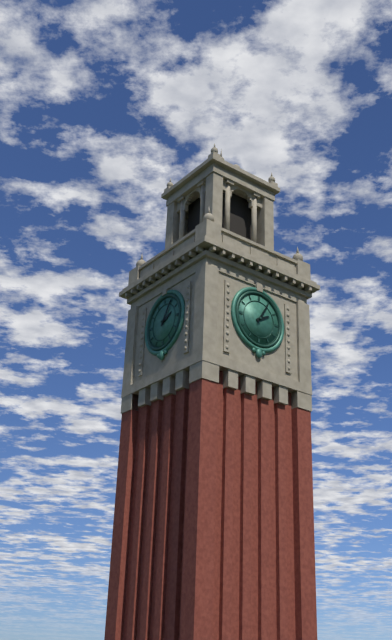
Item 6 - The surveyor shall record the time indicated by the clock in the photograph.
2:05
